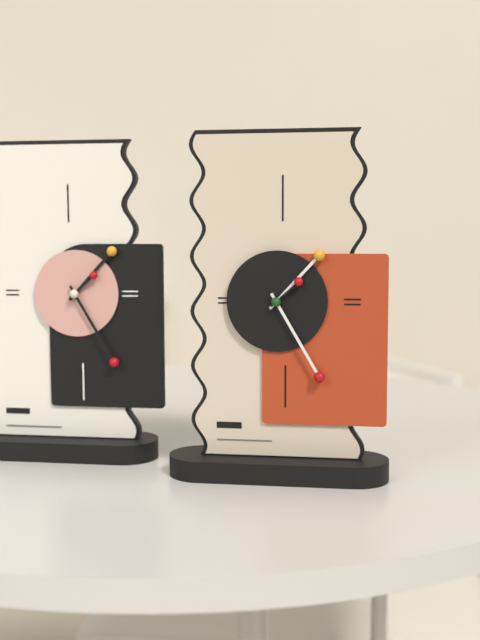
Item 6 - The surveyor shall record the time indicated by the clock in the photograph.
1:25
